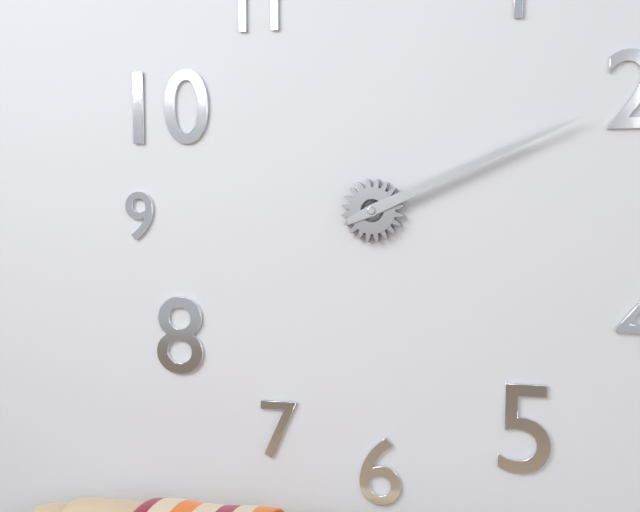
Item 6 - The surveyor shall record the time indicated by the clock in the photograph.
2:11
